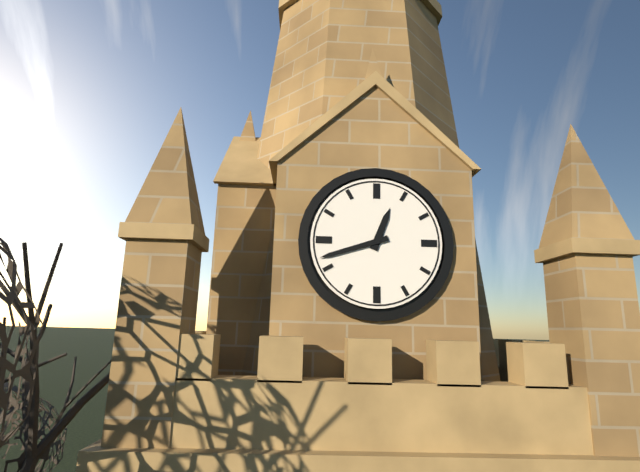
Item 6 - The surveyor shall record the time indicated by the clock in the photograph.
12:42
